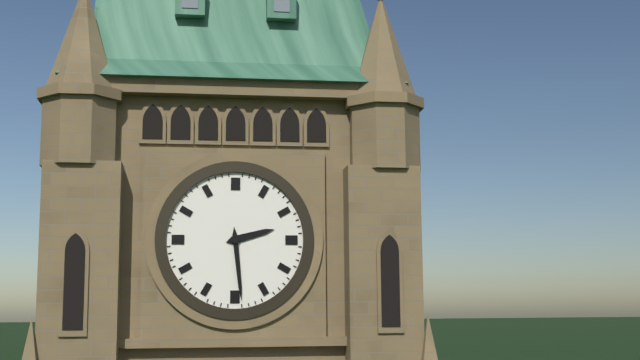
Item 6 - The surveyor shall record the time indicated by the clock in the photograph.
2:29
